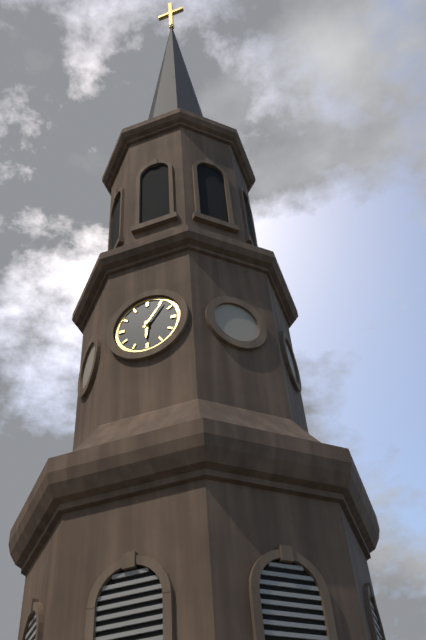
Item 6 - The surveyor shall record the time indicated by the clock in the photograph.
6:06
